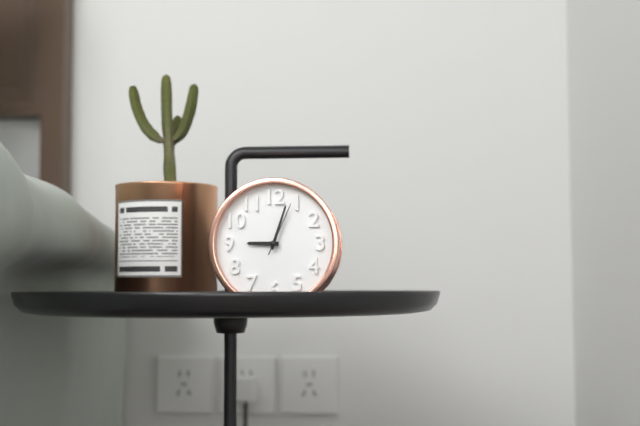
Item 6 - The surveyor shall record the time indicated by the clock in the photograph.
9:03:04
